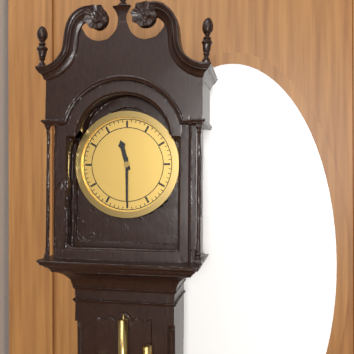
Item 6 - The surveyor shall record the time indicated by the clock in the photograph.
11:30
